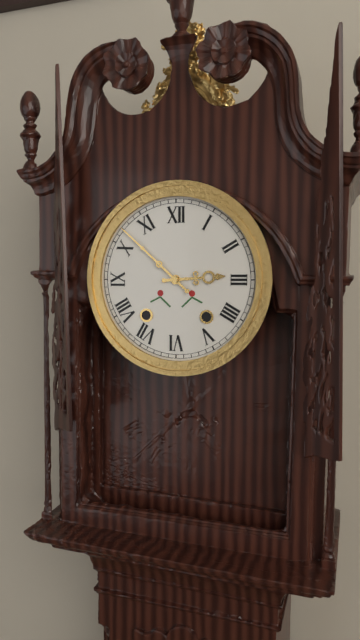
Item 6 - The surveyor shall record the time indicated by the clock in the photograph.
2:52
